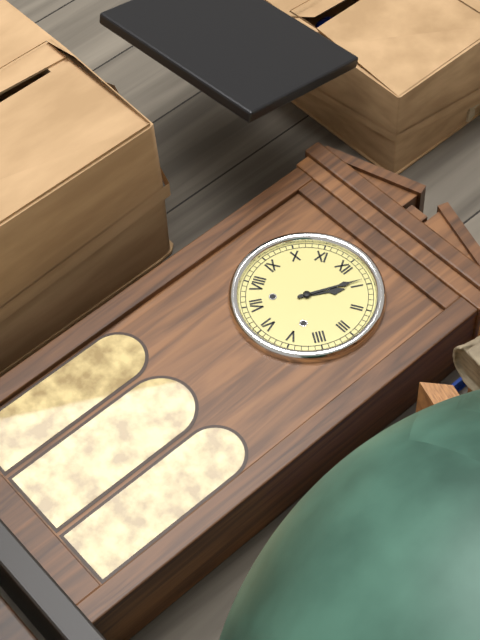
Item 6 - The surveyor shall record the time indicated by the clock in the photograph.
1:04
